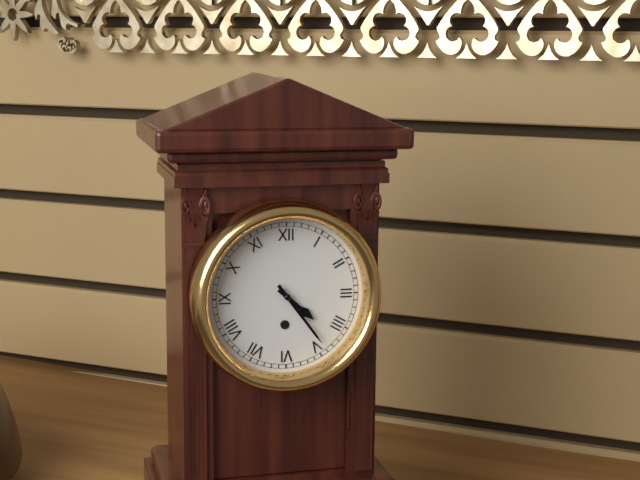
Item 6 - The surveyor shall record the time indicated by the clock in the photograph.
4:24
